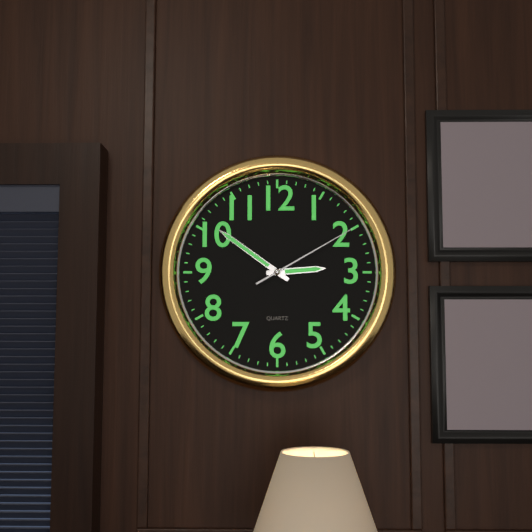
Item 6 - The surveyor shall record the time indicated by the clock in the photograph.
2:51:10
